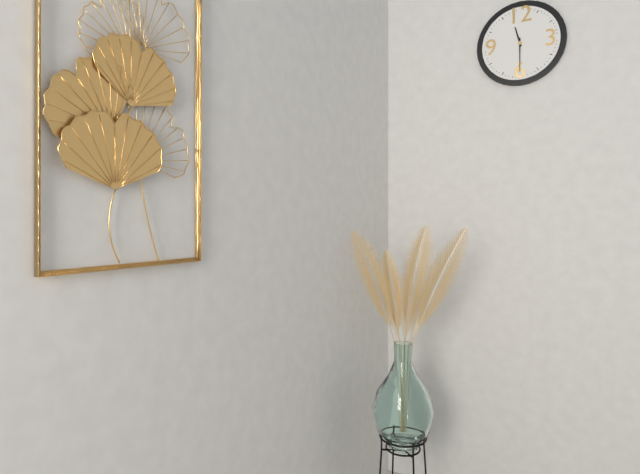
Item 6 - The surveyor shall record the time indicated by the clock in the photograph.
11:30
